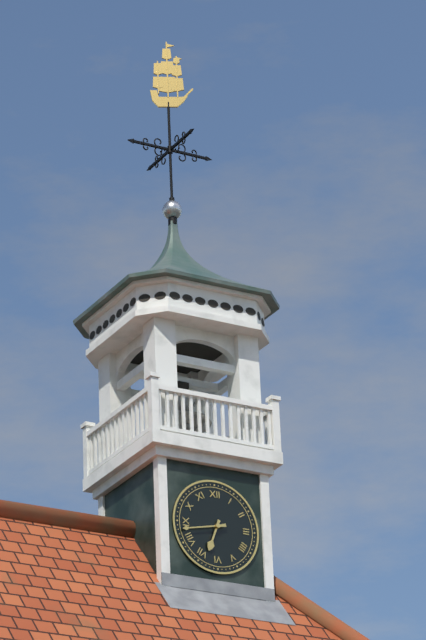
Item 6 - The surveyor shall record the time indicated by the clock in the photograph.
6:43
